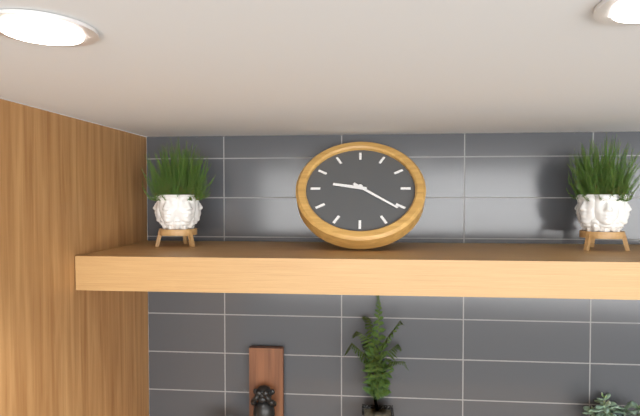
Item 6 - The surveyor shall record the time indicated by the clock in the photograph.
9:21
